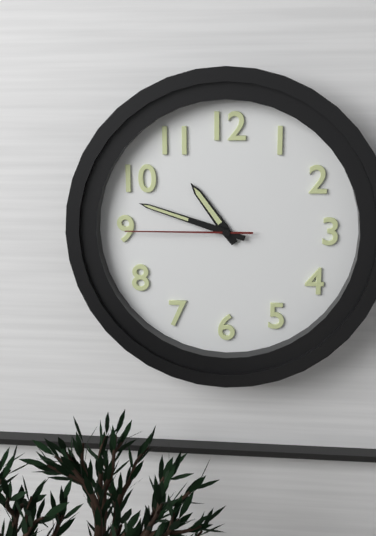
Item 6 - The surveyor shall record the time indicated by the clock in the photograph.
10:48:45
